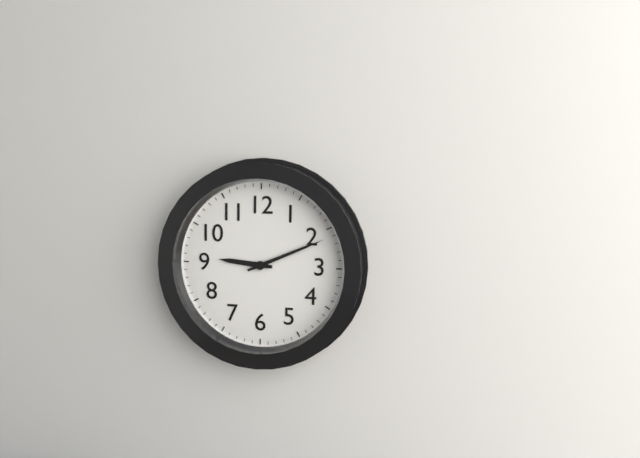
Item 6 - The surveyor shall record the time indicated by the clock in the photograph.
9:11
